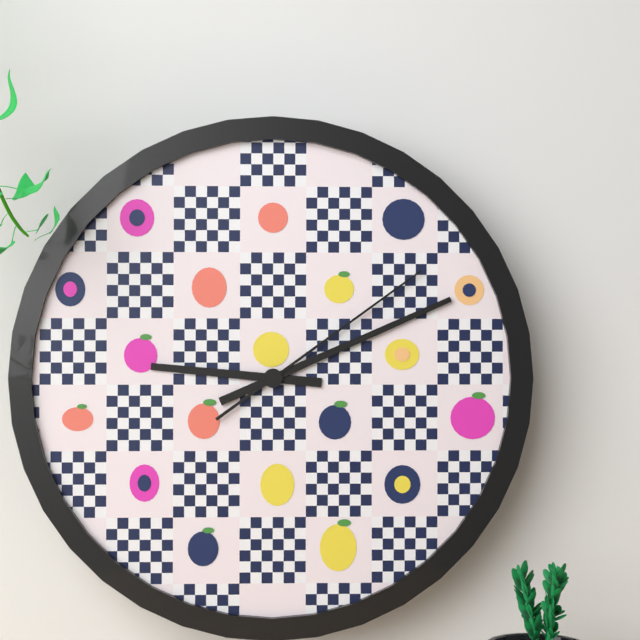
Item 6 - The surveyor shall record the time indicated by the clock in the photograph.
9:11:09
